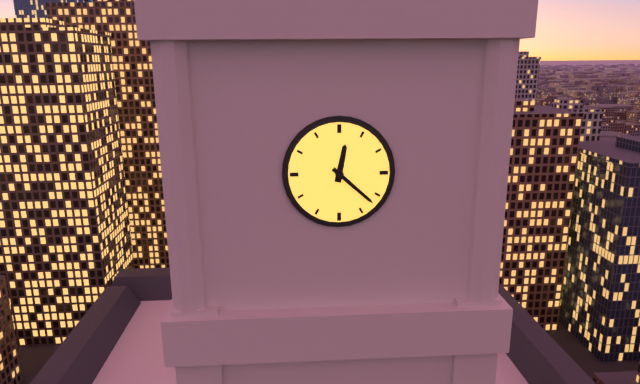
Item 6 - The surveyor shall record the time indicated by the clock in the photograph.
12:22
